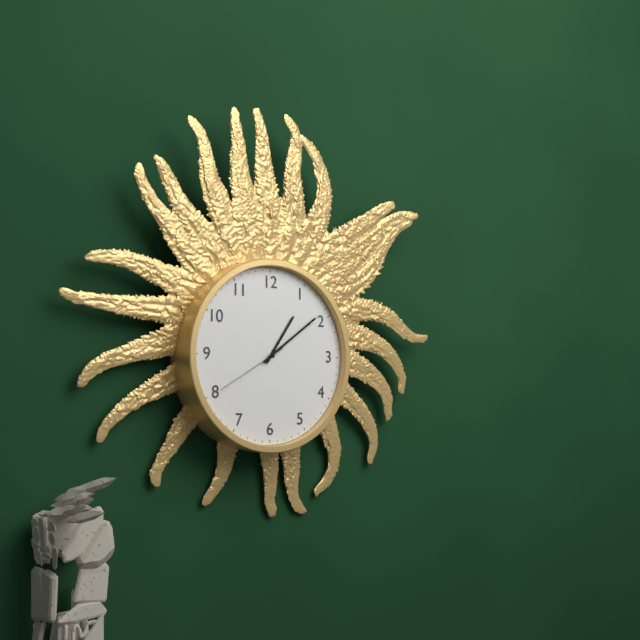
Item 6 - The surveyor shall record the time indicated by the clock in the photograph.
1:09:40
